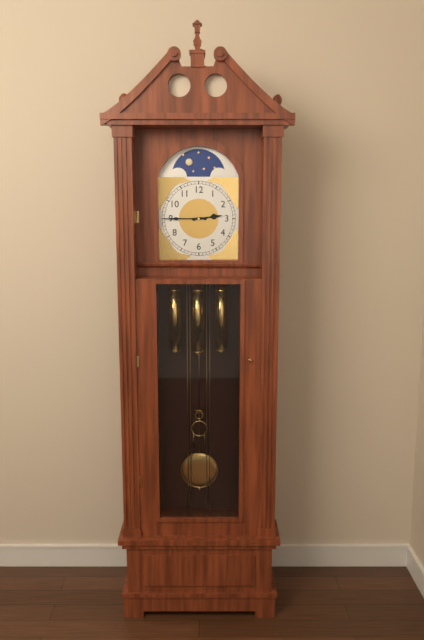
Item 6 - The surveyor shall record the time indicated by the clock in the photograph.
2:45
